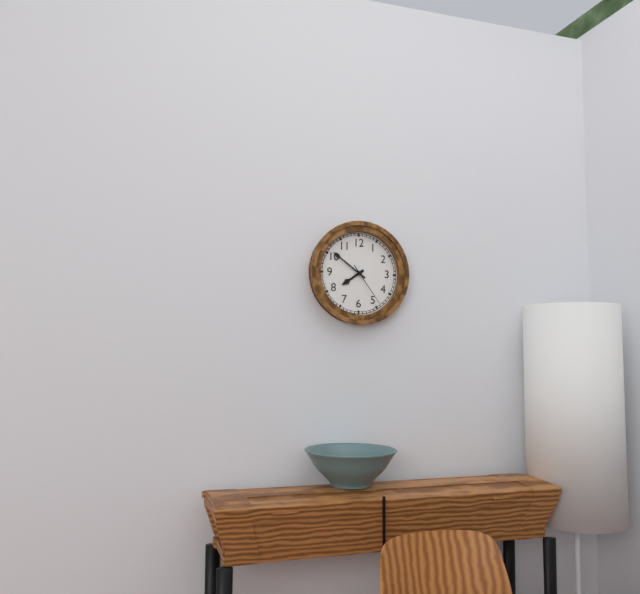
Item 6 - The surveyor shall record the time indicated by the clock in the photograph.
7:51
